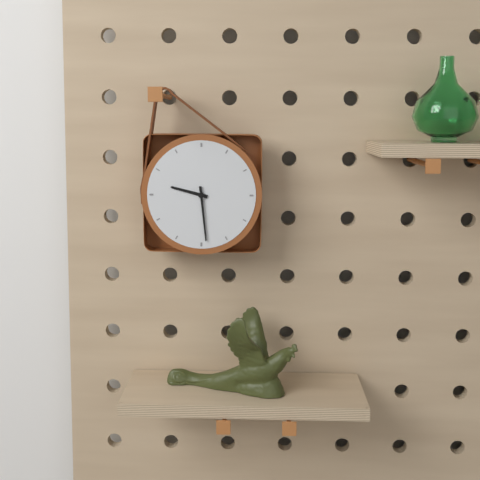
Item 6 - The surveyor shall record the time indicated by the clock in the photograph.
9:29
